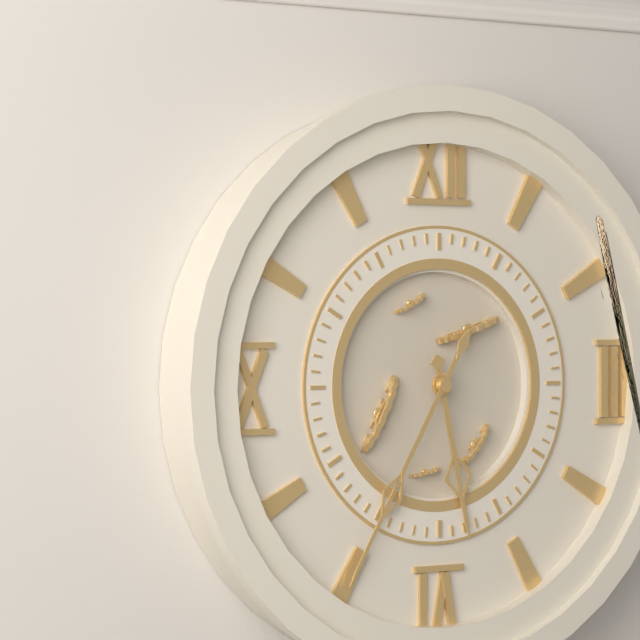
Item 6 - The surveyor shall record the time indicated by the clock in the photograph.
5:35
